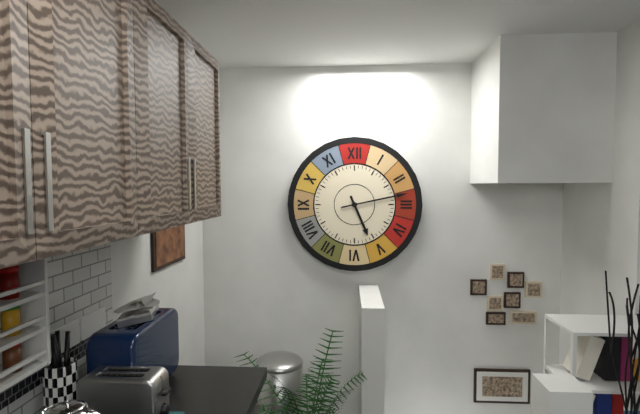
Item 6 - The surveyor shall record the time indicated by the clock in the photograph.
5:13
